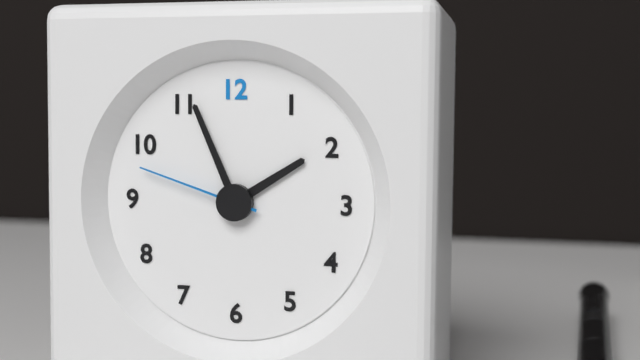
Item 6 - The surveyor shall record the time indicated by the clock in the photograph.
1:56:48
